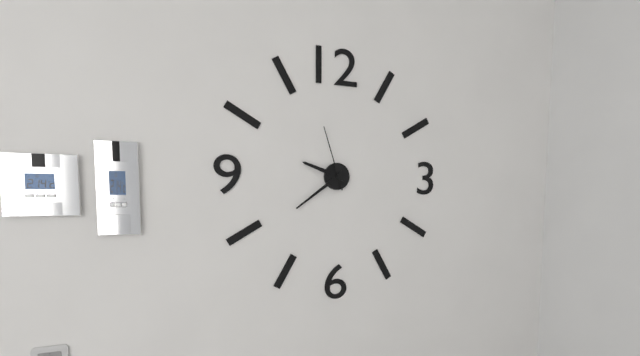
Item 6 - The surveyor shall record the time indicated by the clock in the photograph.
9:39:57
